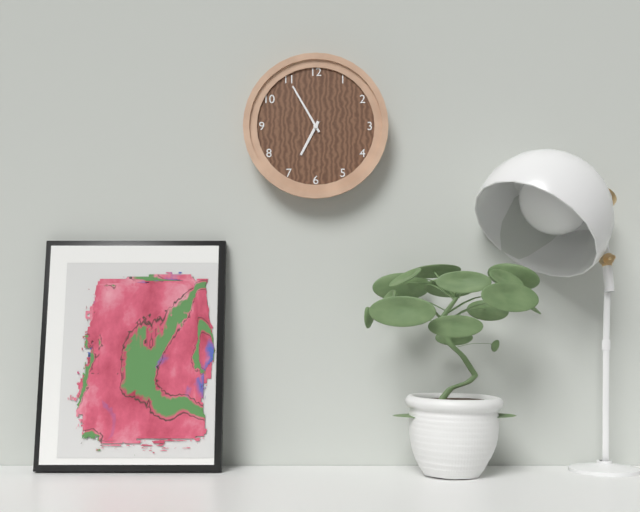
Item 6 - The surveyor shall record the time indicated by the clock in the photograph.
6:55
